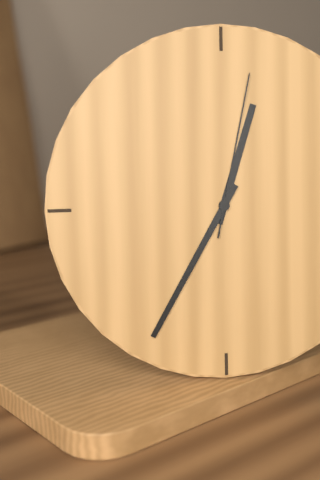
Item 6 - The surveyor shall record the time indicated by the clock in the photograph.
12:35:02
